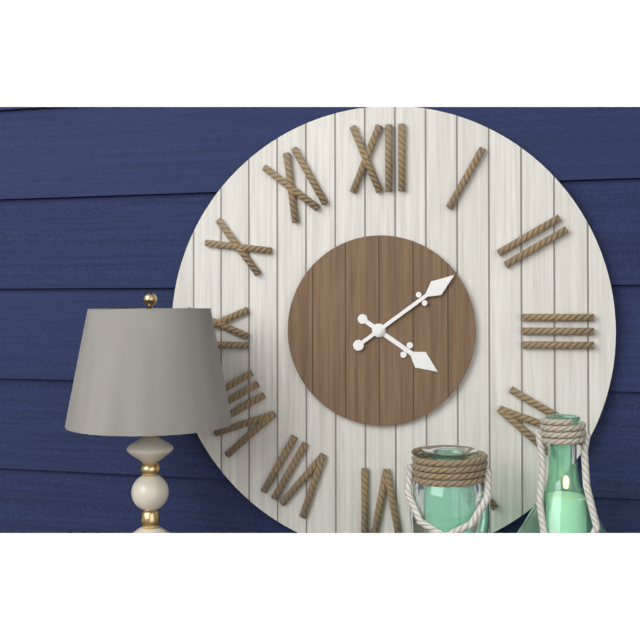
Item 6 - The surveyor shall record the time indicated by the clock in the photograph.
4:09
